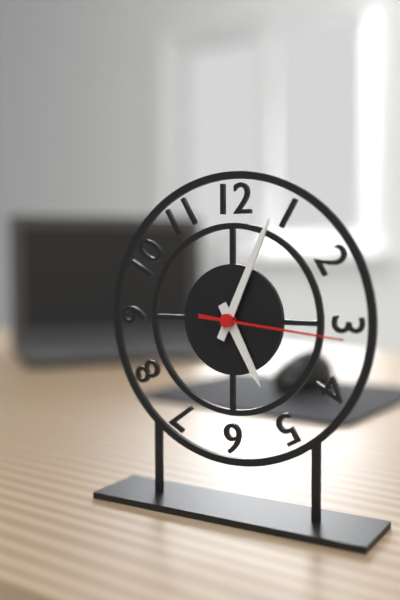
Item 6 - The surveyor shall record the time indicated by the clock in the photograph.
5:04:16
